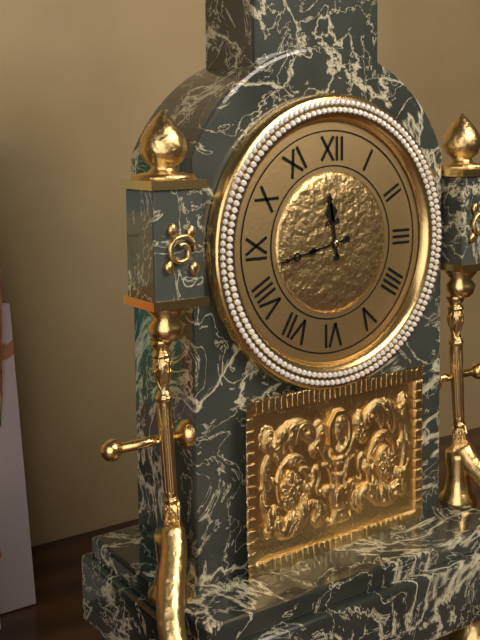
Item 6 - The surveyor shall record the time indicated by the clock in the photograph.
11:43
